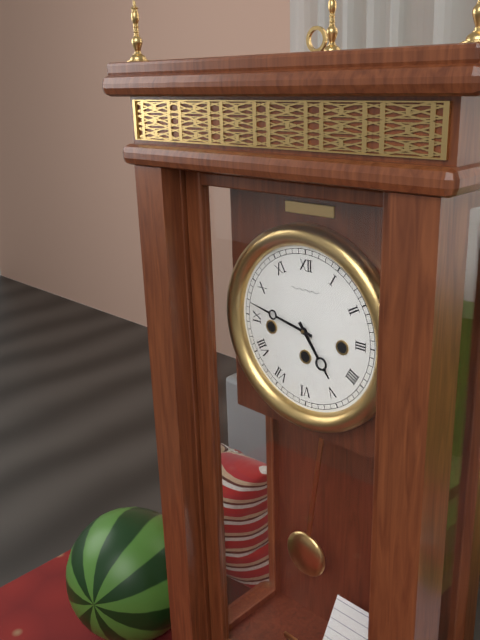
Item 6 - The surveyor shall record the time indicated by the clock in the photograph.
4:47
